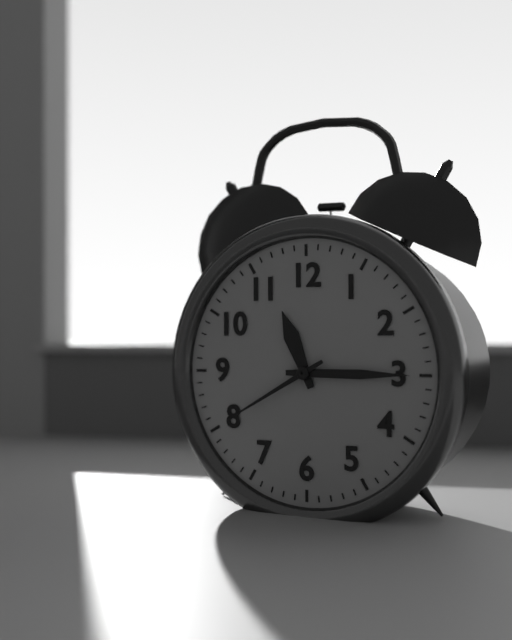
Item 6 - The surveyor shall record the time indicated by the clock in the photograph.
11:15:40
